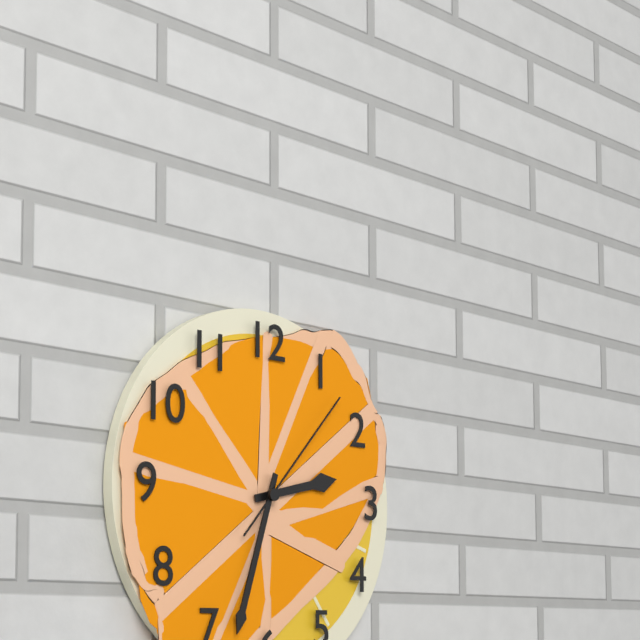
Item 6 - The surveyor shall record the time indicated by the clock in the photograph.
2:33:07
